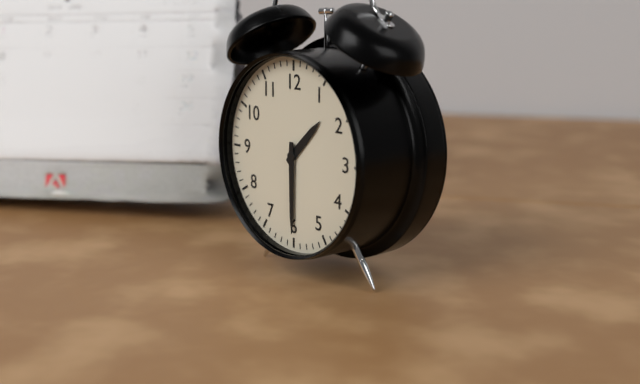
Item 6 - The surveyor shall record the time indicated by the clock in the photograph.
1:30
